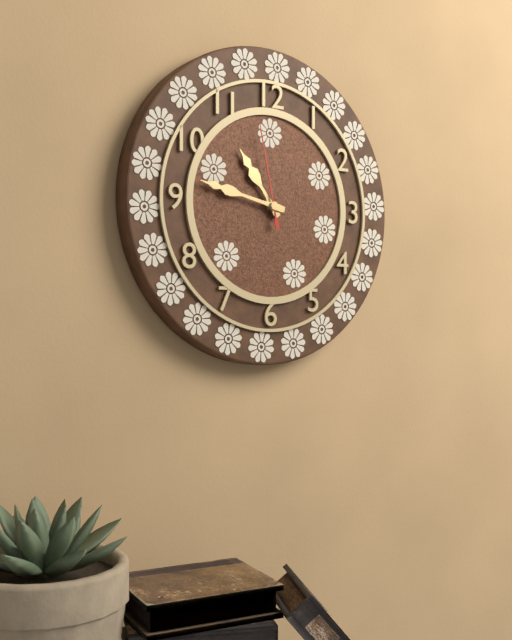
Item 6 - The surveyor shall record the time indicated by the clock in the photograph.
10:47:58
